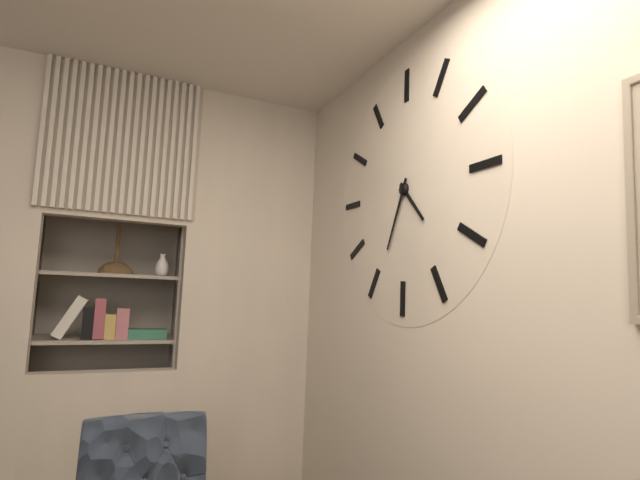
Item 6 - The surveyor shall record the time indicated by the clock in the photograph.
4:34
